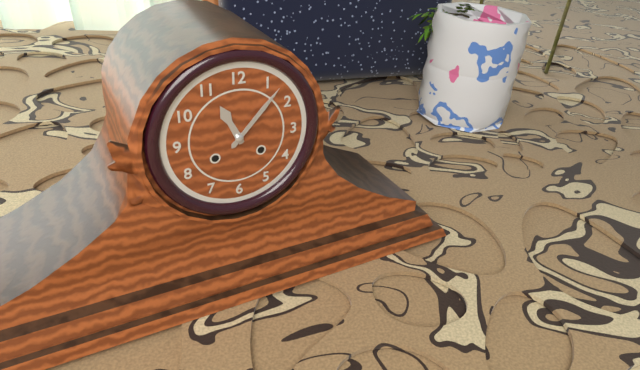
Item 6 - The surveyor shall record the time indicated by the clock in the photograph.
11:07
